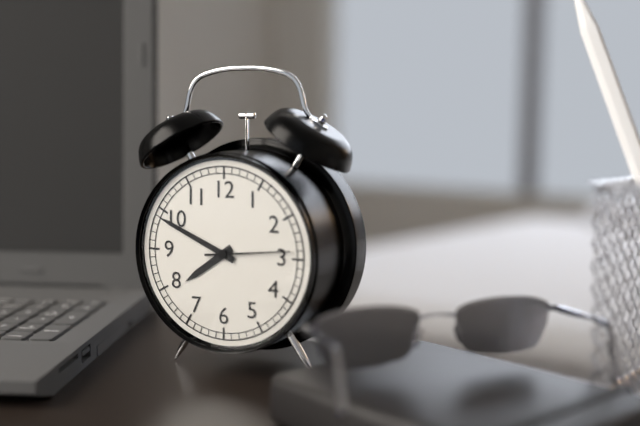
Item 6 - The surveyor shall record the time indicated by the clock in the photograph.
7:49:14
